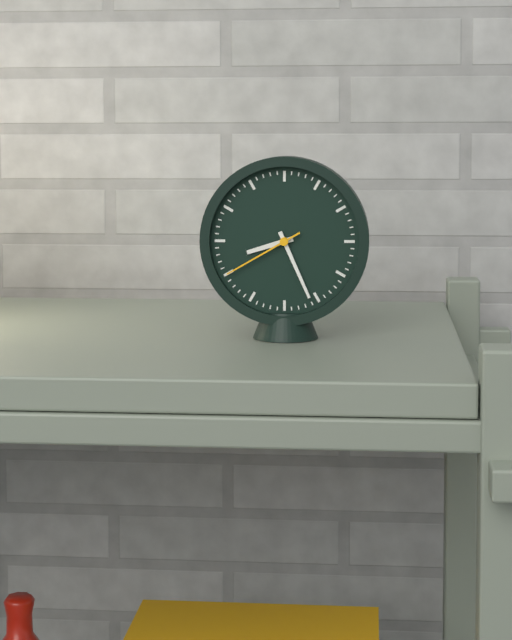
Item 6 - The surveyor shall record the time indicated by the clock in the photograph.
8:26:40
